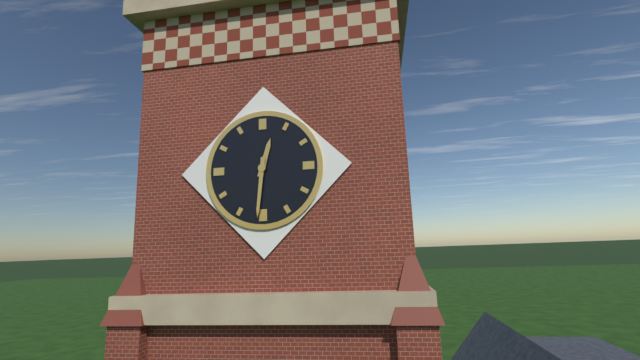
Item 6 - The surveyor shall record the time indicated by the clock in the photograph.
12:31
